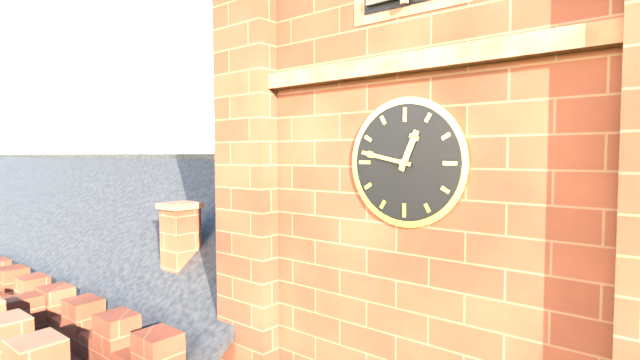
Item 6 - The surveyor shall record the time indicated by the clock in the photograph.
12:47
